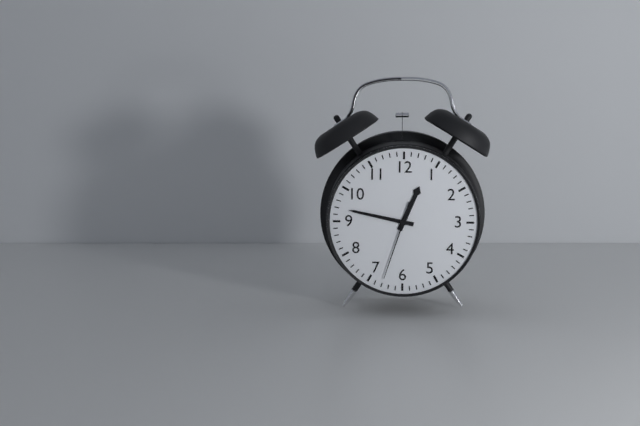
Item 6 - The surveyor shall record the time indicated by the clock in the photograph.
12:47:33
